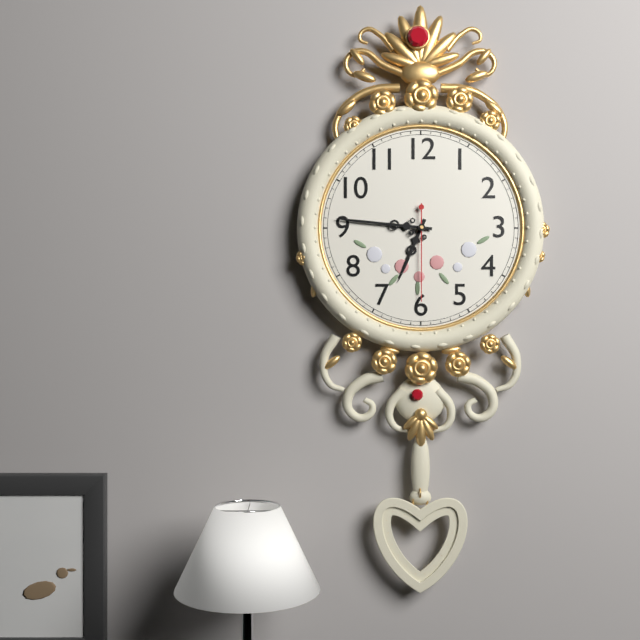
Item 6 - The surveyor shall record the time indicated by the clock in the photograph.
6:46:30
